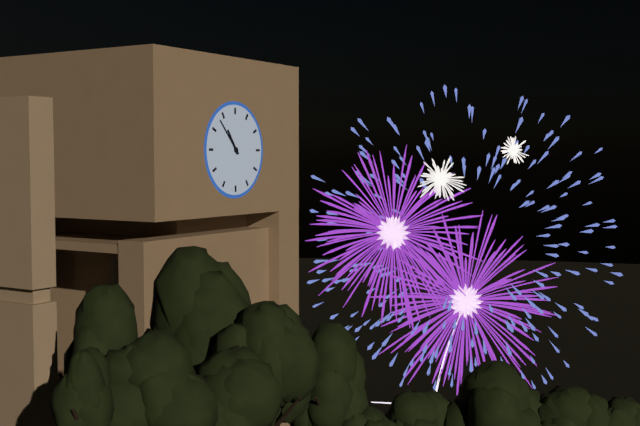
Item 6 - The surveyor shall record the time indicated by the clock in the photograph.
10:53
